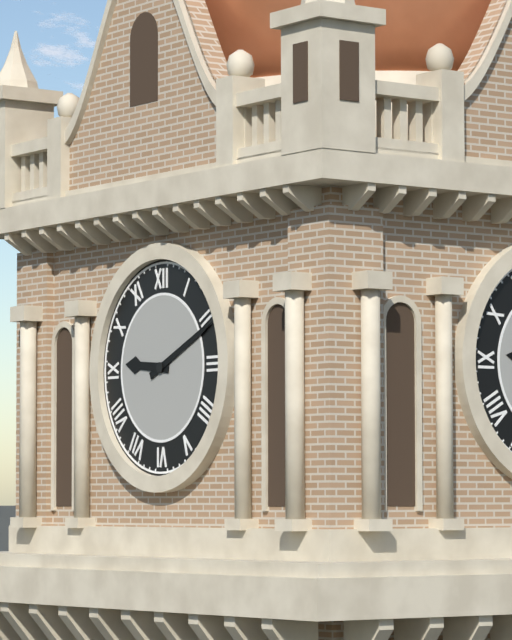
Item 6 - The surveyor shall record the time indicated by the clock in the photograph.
9:11
